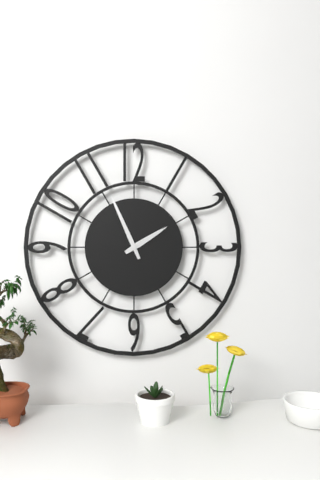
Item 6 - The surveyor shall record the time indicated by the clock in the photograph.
1:56
